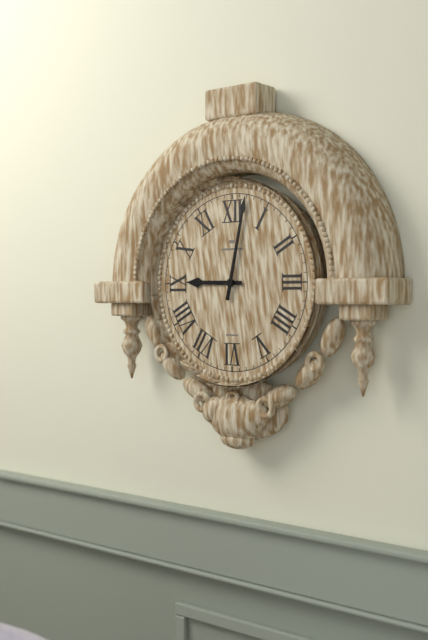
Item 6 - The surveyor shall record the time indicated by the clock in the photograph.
9:02
